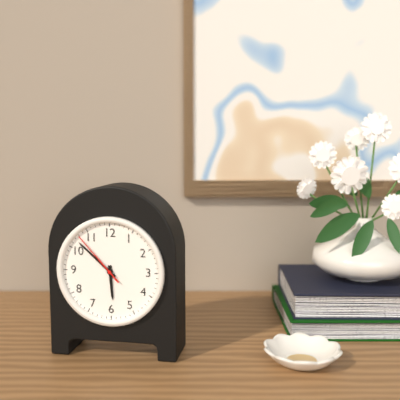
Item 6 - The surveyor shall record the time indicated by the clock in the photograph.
5:52:53
